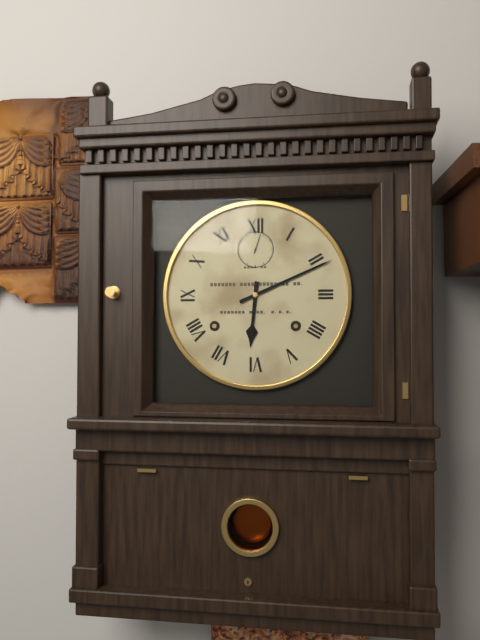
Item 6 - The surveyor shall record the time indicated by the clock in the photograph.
6:11
